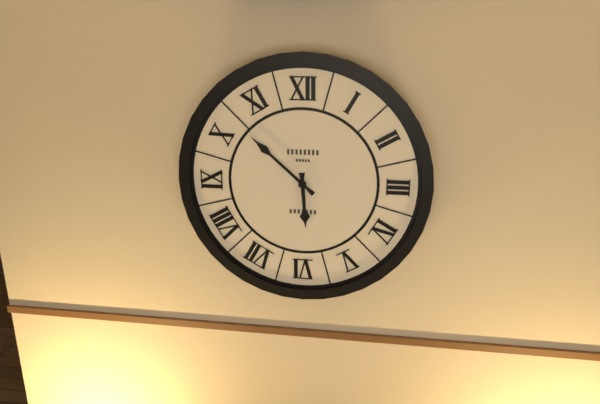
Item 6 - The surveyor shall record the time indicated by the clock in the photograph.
5:52
